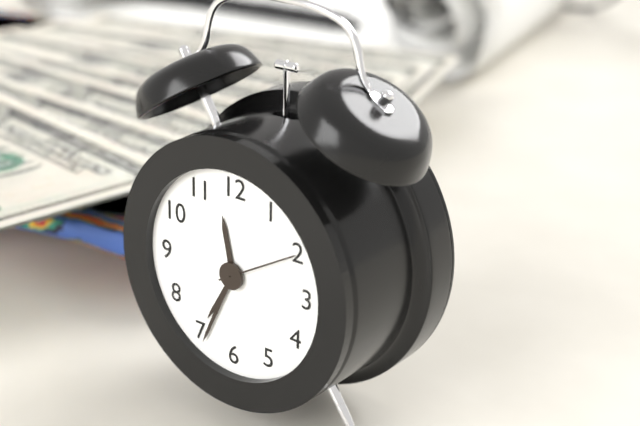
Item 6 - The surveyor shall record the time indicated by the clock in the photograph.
11:34:10
